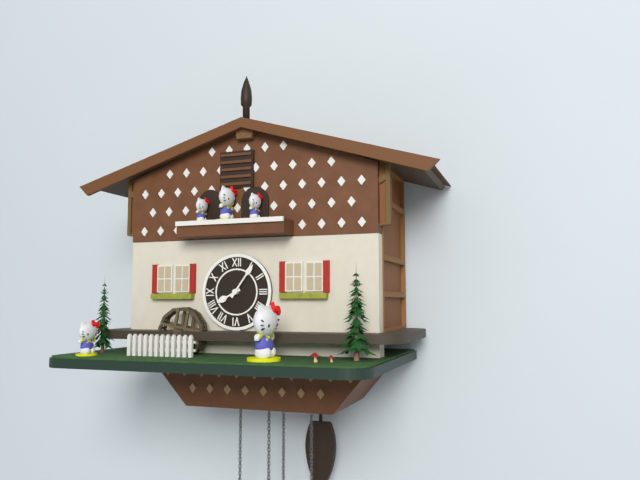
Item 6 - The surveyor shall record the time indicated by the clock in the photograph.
8:06
